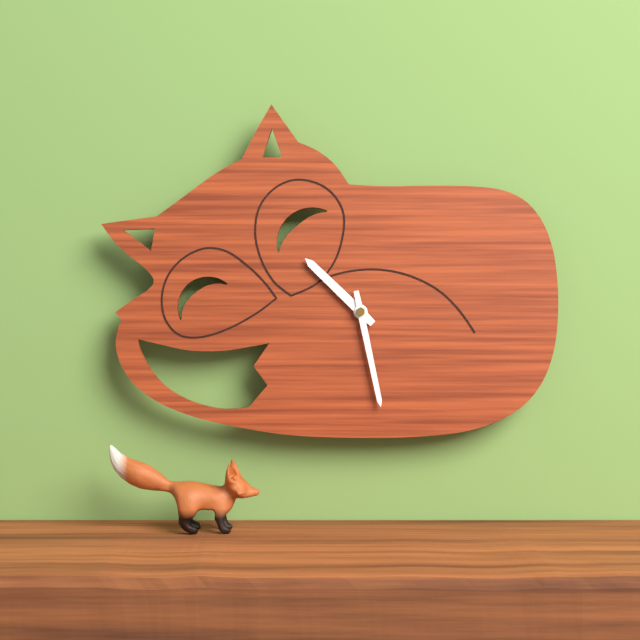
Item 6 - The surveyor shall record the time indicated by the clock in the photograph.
10:28
